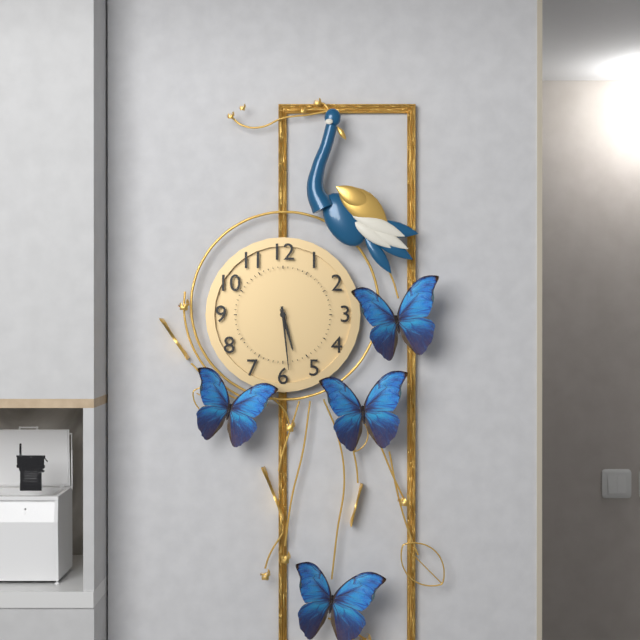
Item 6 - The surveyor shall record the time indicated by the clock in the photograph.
5:29
